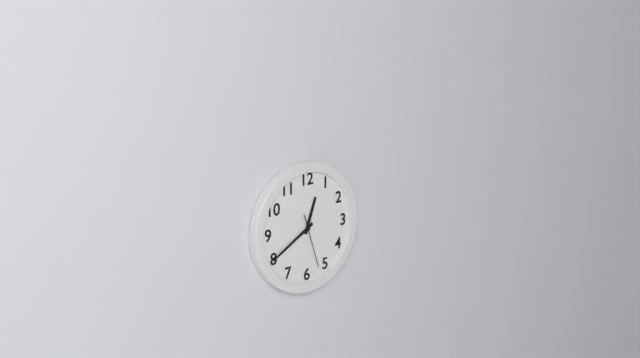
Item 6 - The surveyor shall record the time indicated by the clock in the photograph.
12:40:27
